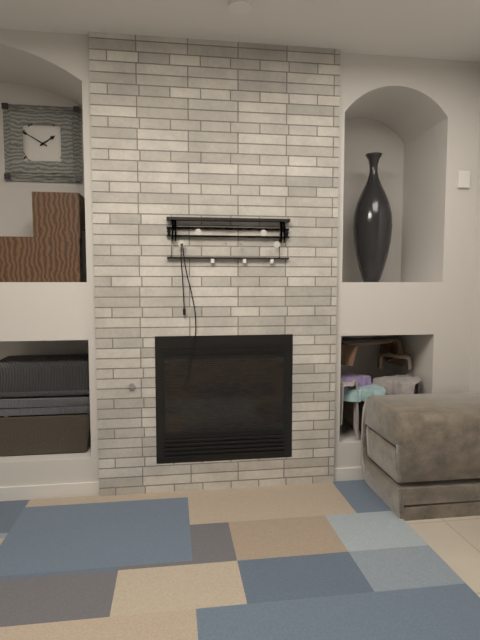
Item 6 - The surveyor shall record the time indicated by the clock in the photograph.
1:50
